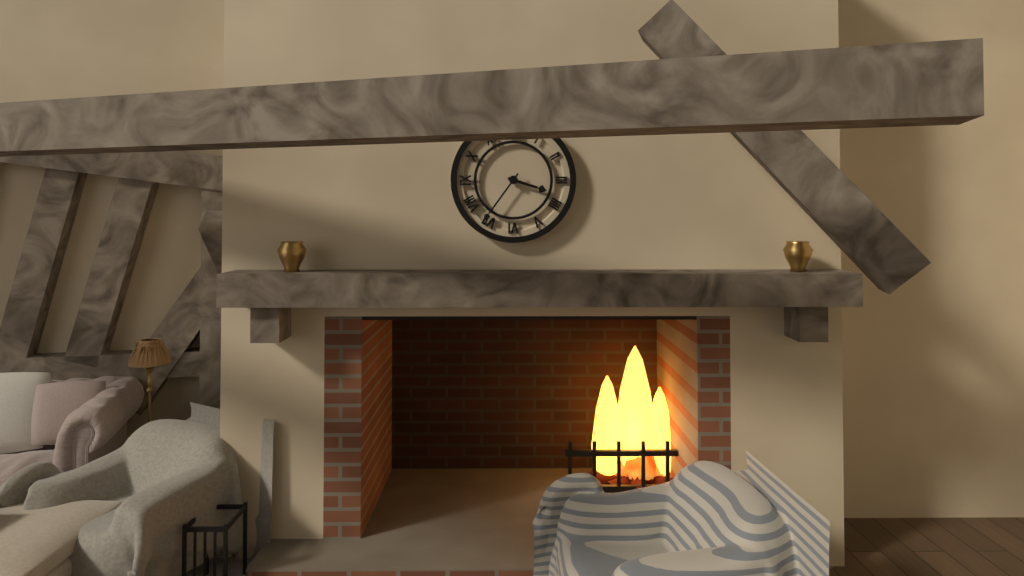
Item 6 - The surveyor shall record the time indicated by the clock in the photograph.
3:36
